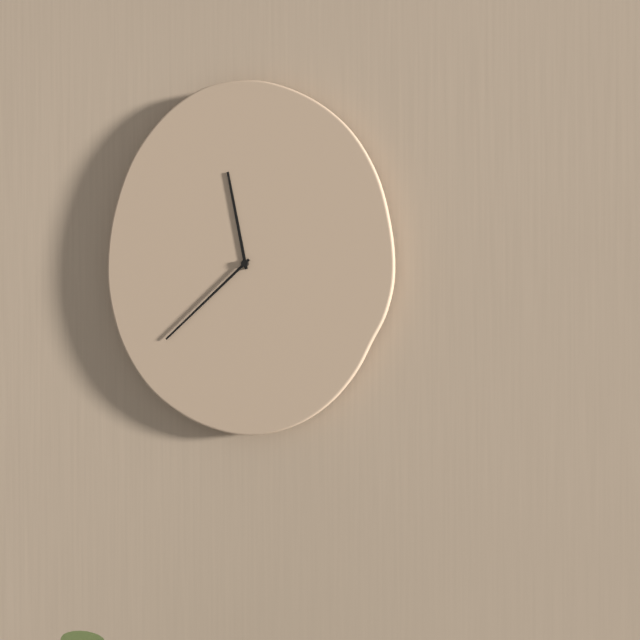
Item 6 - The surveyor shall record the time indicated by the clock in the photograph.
11:38
